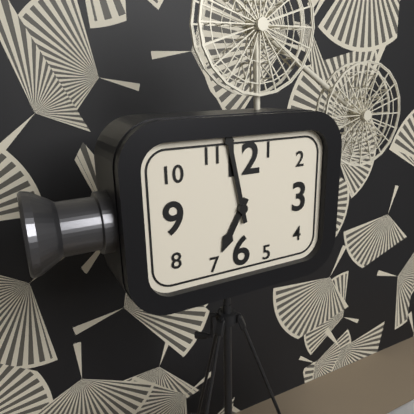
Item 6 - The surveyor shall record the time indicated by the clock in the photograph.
6:58
